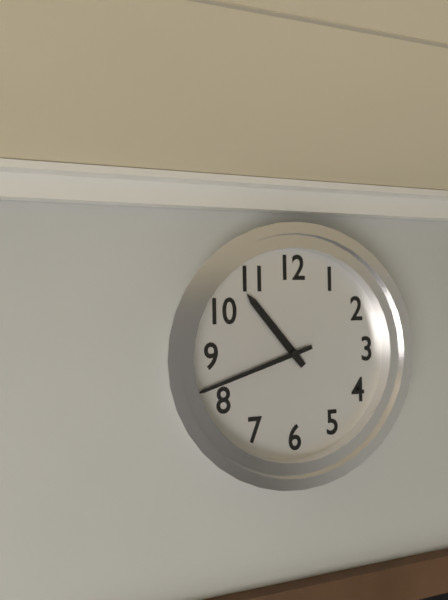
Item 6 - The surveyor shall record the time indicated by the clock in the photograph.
10:42
